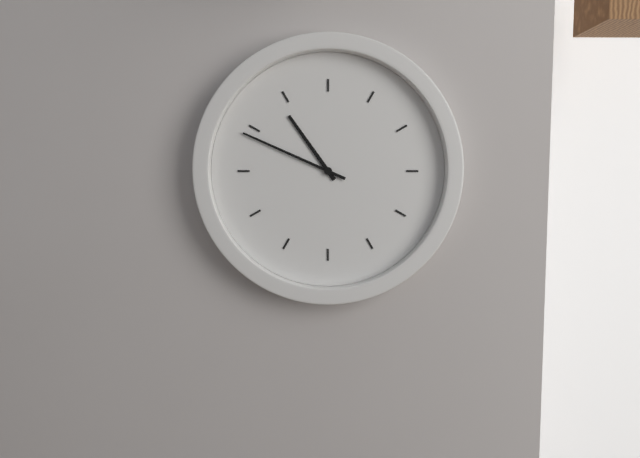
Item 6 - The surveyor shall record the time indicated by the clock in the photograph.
10:49
